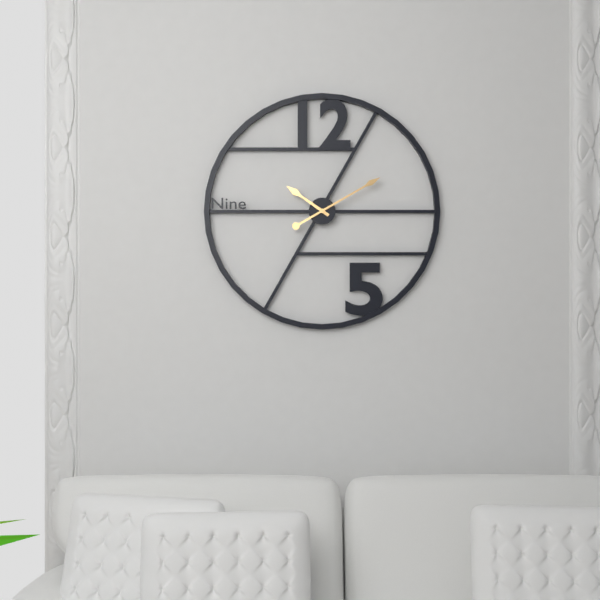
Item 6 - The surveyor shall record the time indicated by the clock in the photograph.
10:10
